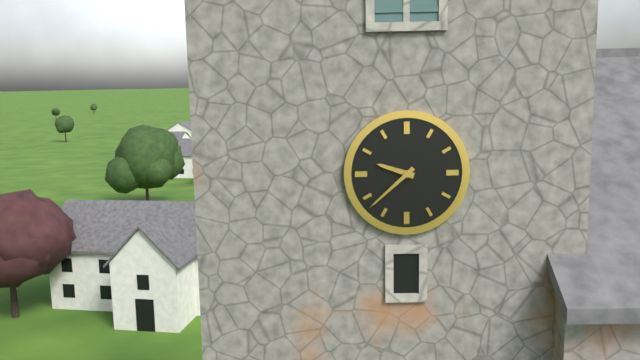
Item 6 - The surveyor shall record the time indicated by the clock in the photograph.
9:38
